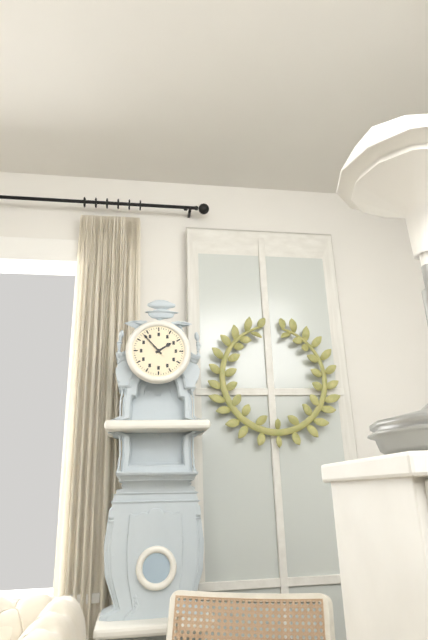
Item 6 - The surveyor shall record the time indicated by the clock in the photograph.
1:53
